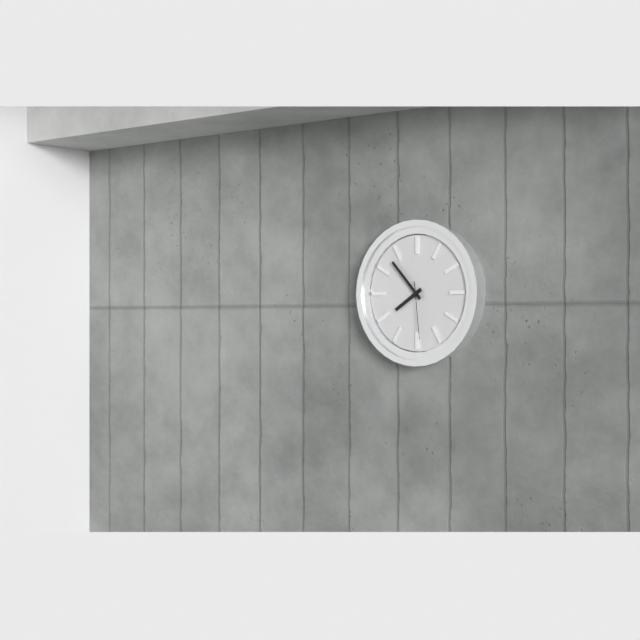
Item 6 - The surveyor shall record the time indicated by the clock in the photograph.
7:53:29
